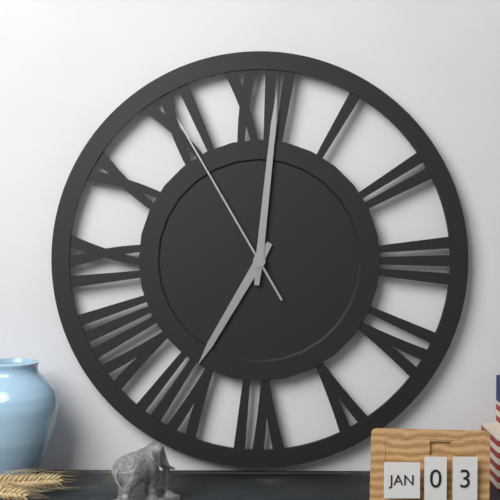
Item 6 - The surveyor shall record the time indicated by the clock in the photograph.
7:01:55
